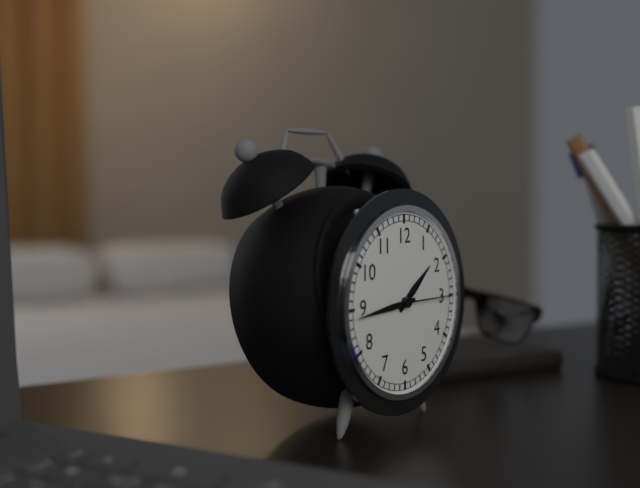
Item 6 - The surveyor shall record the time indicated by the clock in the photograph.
1:44:15
